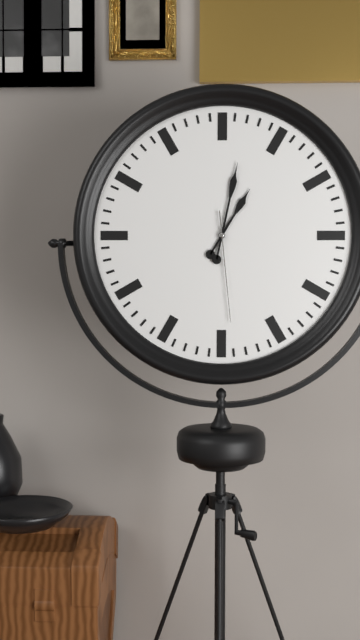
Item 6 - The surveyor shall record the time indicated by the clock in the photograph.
1:02:29
